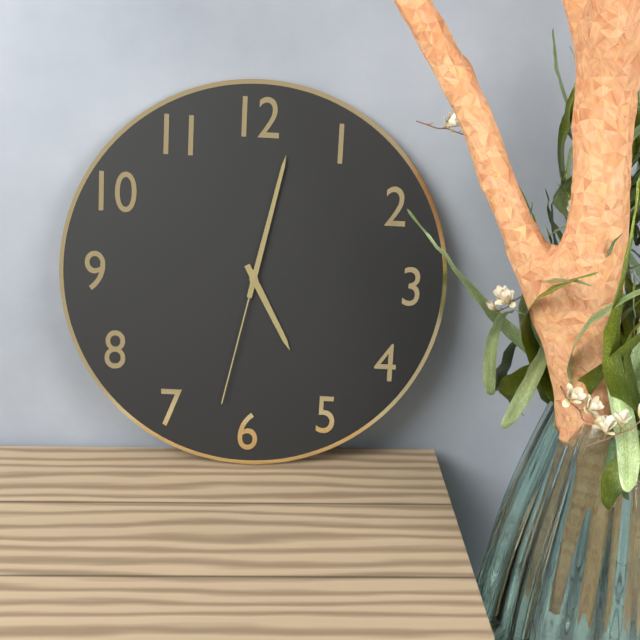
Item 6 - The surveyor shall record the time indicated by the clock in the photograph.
5:02:32
